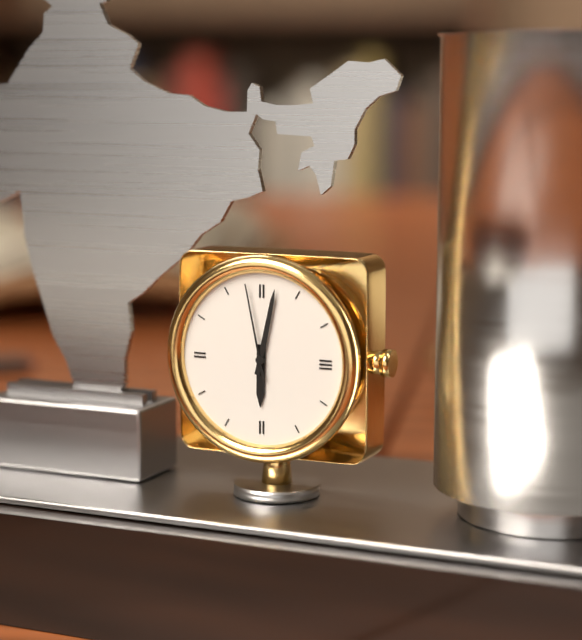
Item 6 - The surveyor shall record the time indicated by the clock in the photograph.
6:02:58
